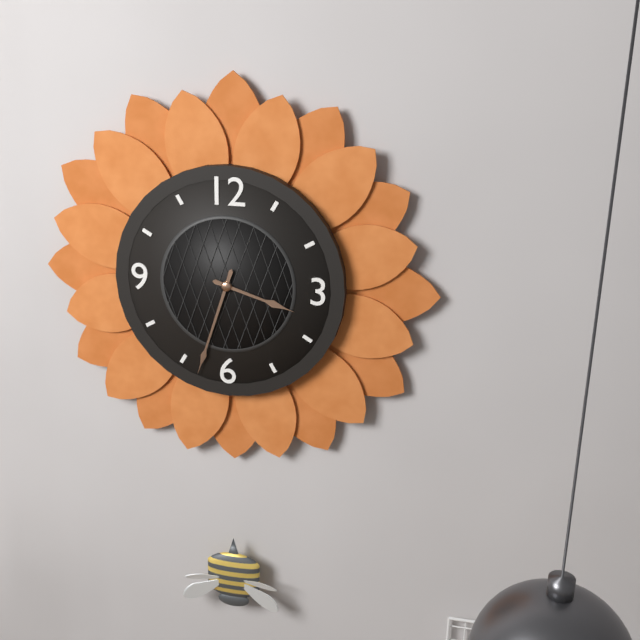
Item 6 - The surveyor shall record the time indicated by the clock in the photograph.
3:33
